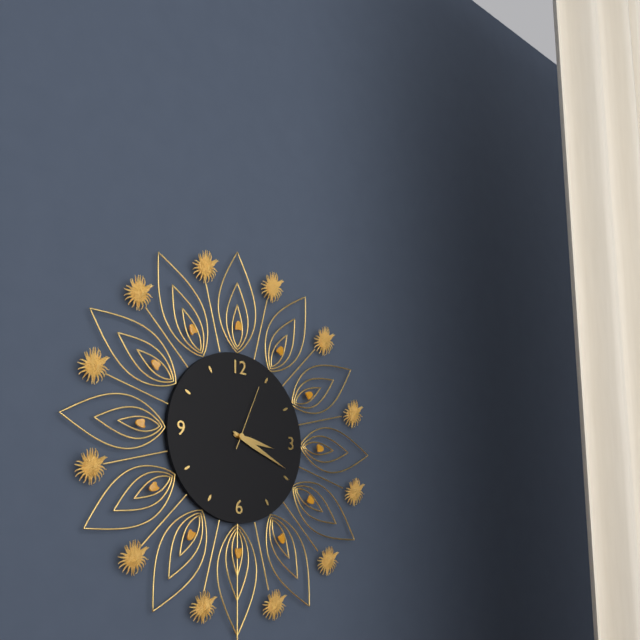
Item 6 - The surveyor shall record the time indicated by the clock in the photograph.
3:19:04
